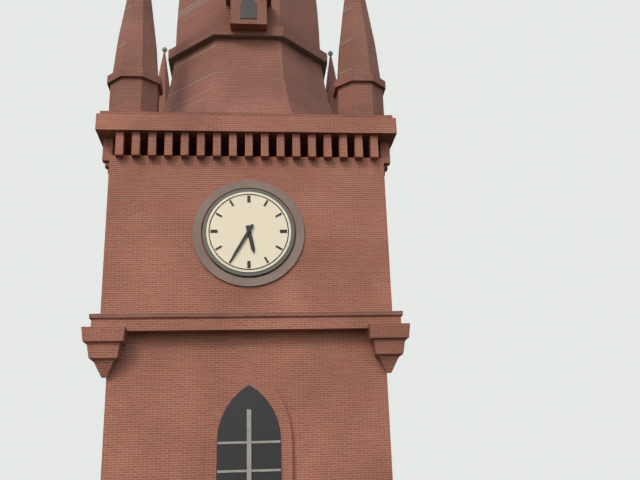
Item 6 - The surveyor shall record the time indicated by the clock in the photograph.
5:35
